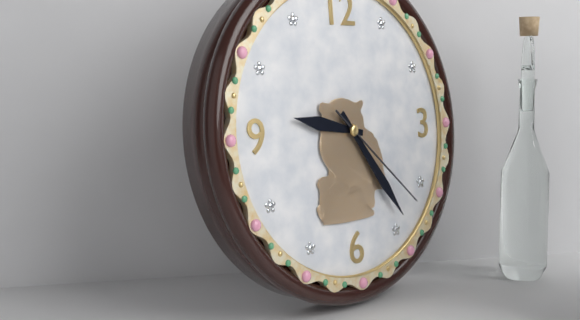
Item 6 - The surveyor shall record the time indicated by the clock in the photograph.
9:24:22
